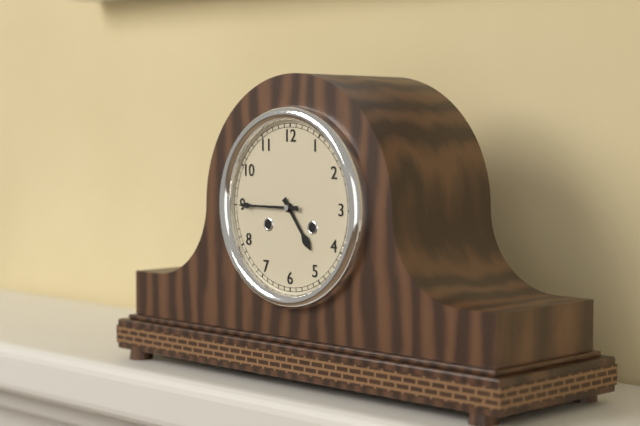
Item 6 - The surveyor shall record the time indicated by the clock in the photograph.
4:45
